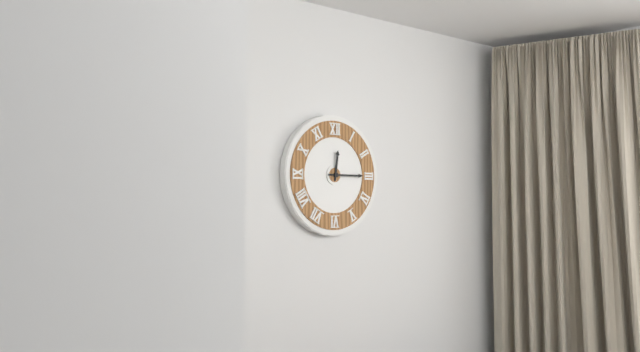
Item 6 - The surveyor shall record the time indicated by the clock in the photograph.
12:15
